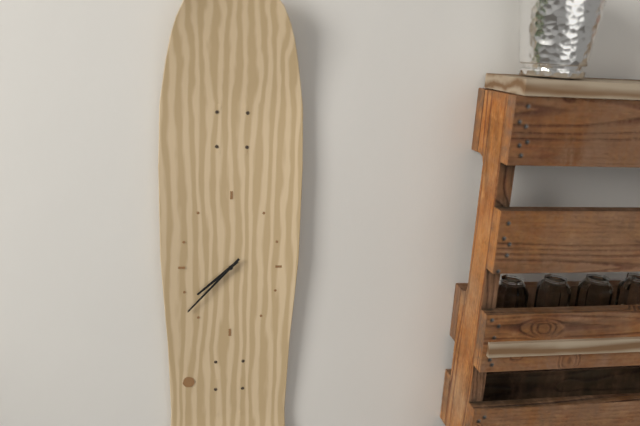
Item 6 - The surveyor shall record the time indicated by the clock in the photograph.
7:37
